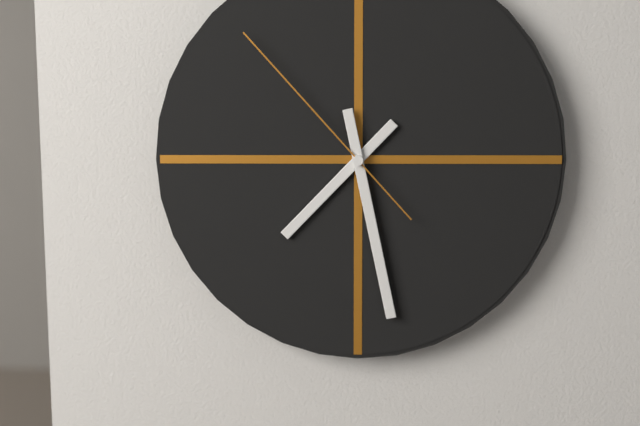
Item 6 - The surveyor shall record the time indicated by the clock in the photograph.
7:28:53
